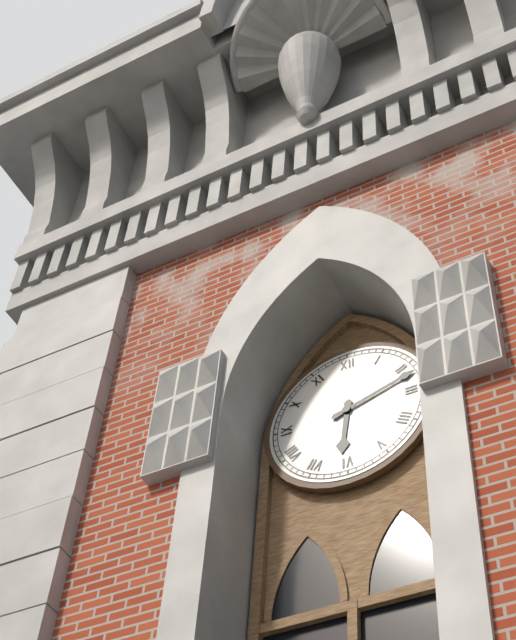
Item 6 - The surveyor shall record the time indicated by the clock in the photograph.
6:12
